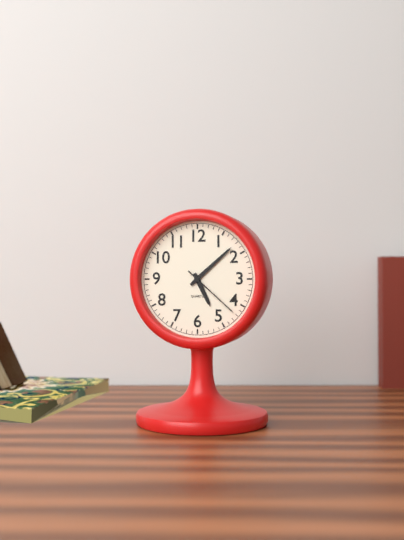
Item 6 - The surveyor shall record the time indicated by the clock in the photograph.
5:08:22
